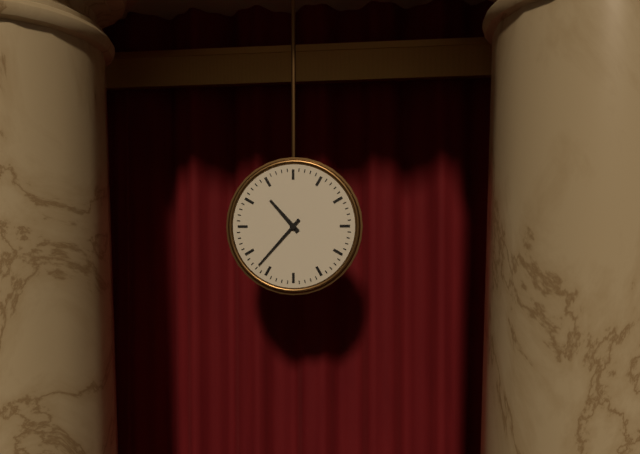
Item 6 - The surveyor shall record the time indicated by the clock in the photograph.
10:37
